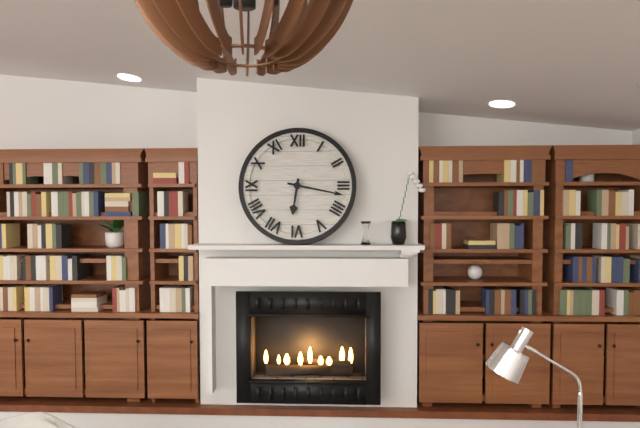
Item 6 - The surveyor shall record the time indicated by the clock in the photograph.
6:17
